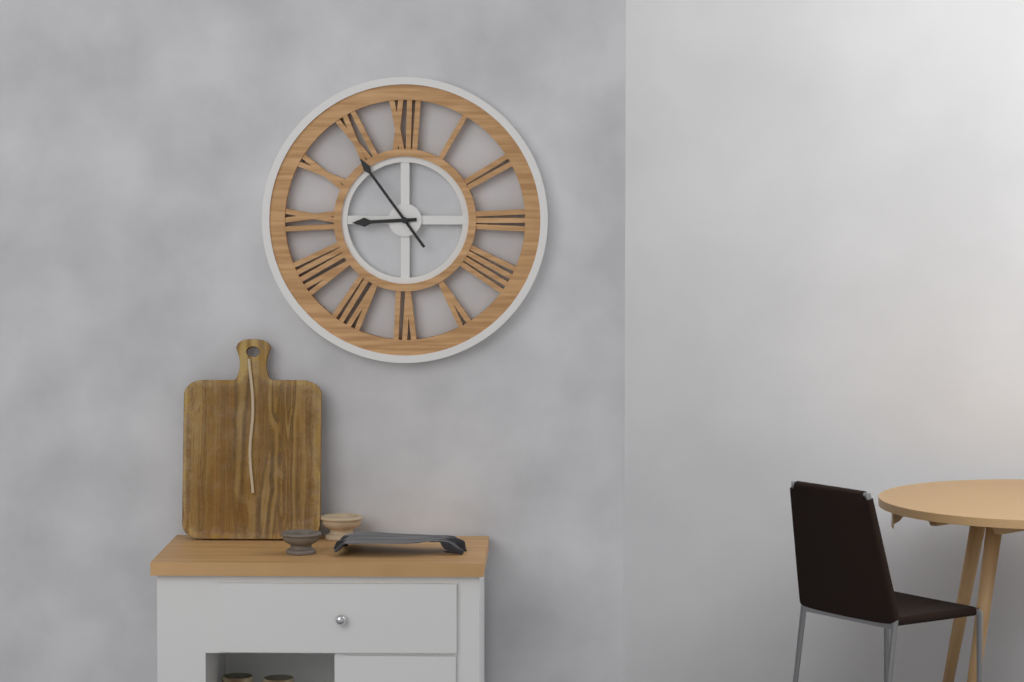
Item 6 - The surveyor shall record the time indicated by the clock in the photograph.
8:54
